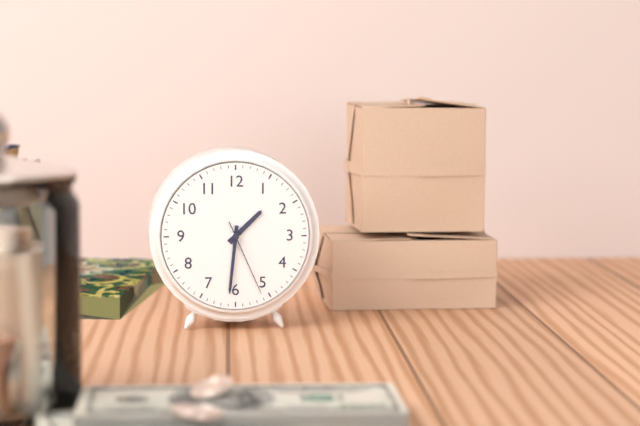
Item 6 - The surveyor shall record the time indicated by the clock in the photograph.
1:31:26
